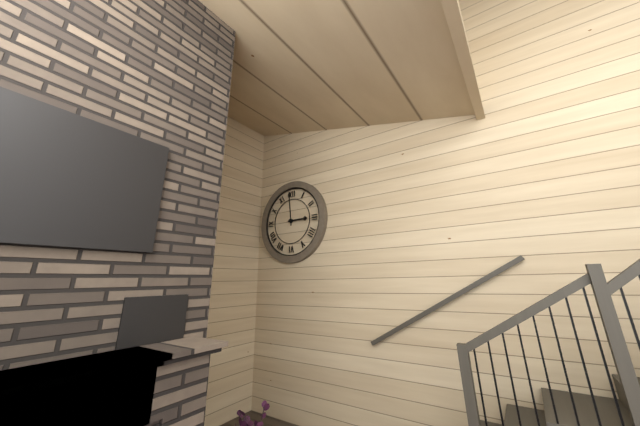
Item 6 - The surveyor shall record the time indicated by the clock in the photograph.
2:59
